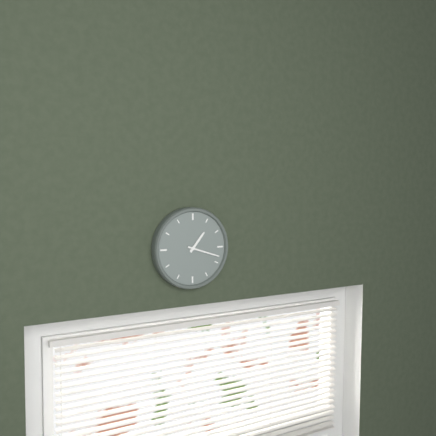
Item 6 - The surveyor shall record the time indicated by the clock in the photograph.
1:18
